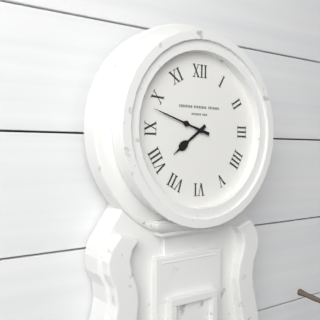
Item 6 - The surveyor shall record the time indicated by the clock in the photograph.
7:48
